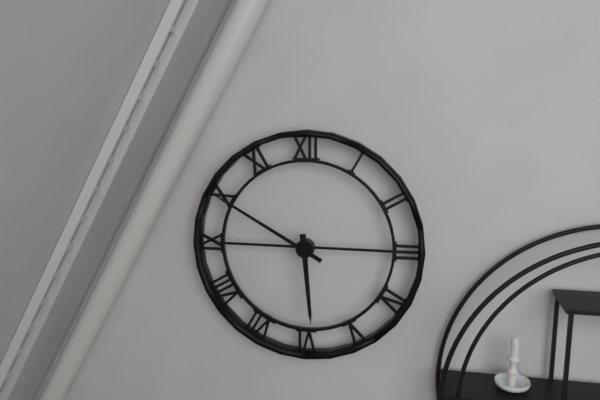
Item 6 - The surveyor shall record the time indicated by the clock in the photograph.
5:50
